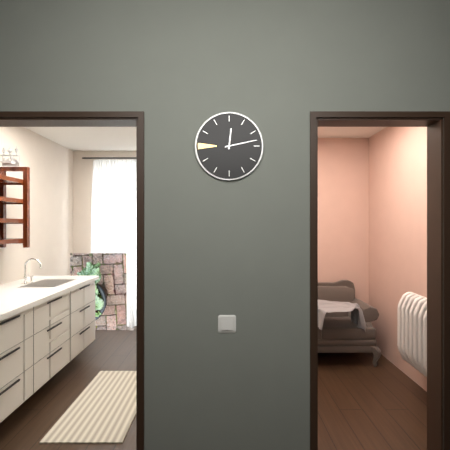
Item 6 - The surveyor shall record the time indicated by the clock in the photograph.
12:13
